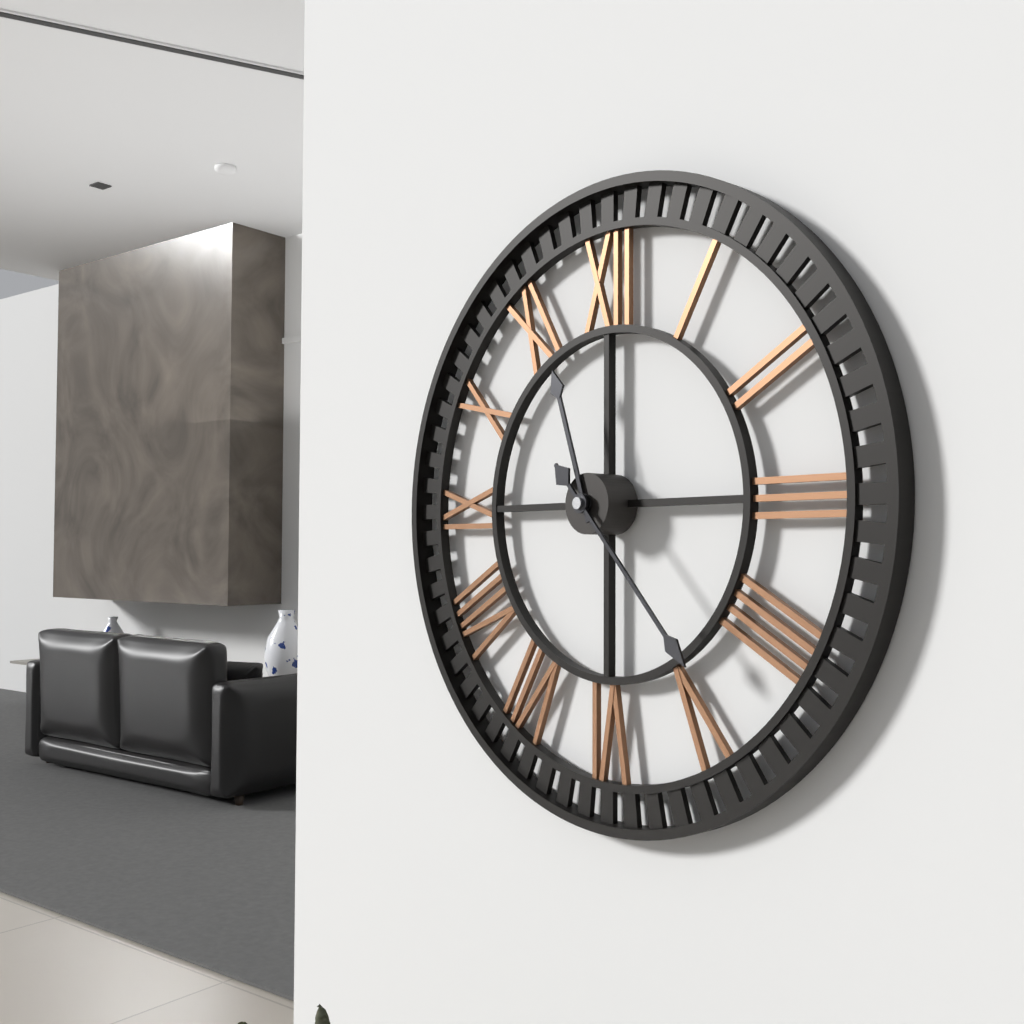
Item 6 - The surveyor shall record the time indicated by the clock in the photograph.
11:23
